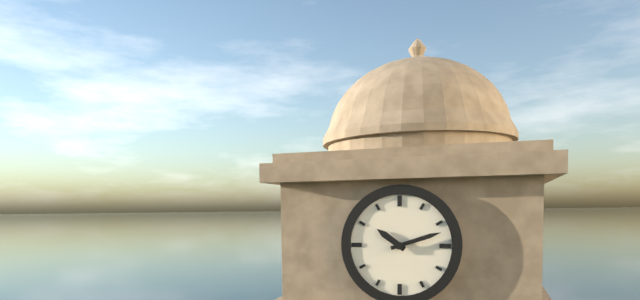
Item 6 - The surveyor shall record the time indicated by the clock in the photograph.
10:12
